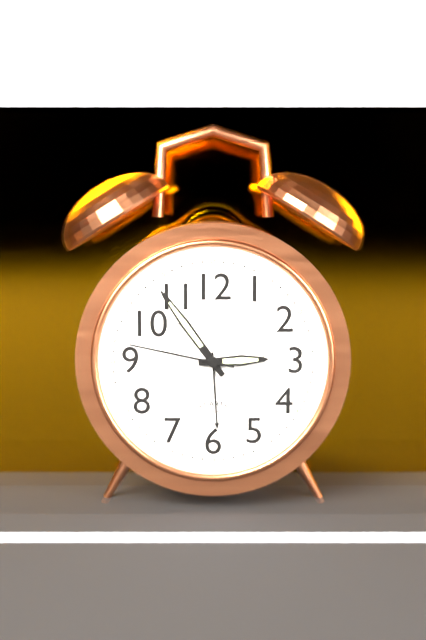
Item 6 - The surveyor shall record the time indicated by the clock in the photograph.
2:54:47
